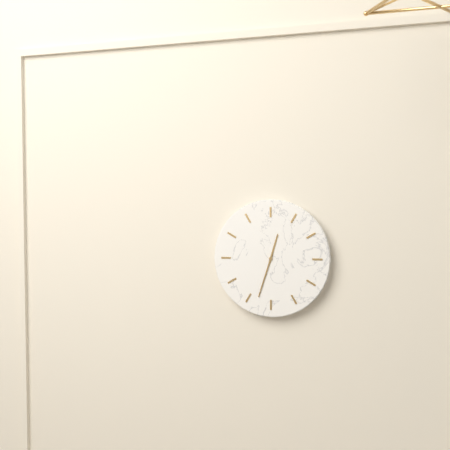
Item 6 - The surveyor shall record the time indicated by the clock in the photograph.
12:33
